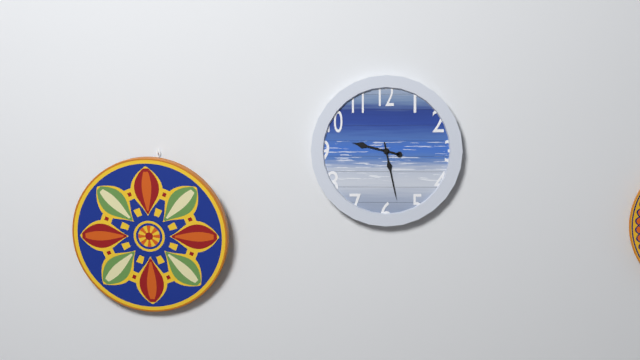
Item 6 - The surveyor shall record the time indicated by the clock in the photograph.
9:28
